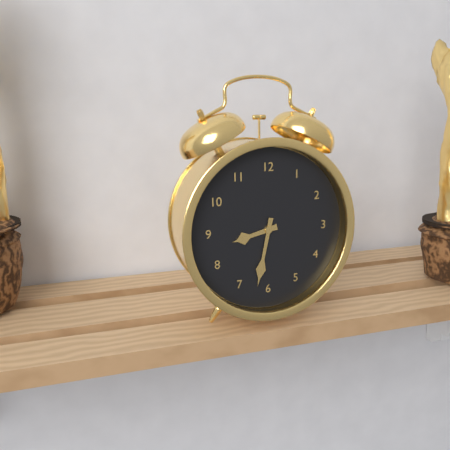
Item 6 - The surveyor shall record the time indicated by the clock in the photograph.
8:32
